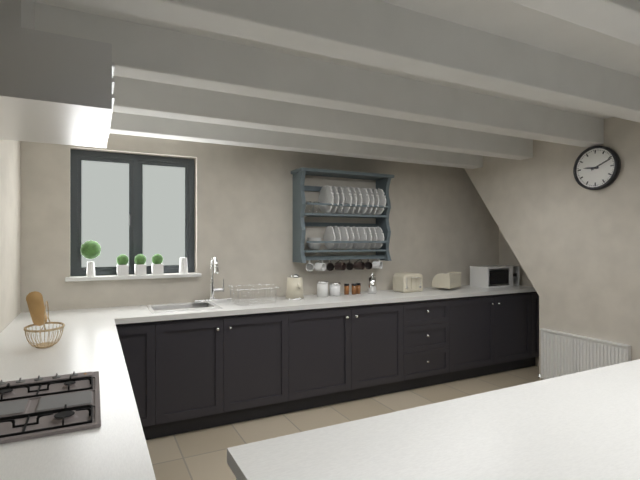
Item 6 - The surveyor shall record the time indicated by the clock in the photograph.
9:11
